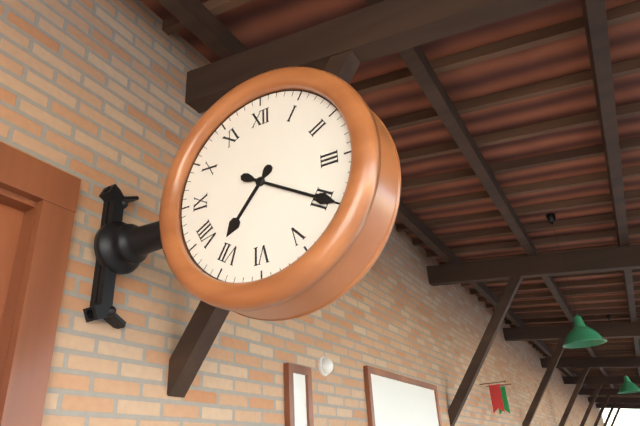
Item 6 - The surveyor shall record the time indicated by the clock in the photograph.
7:20
